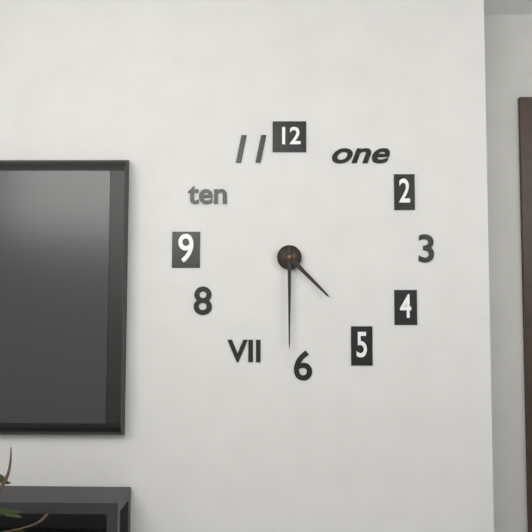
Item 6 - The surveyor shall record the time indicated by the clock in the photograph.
4:30
